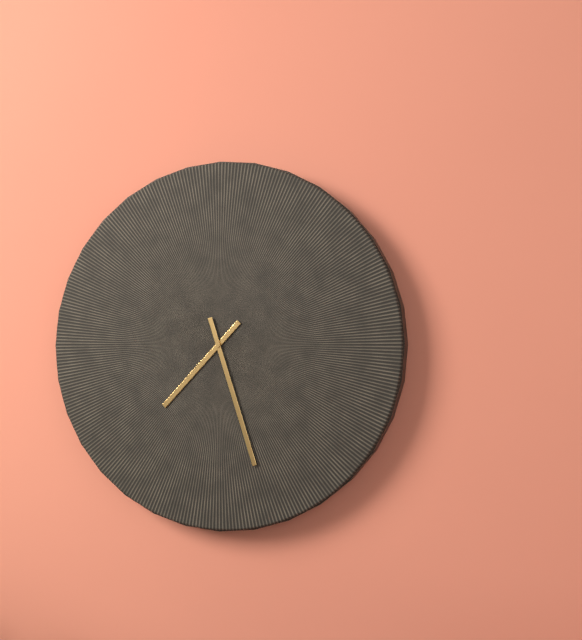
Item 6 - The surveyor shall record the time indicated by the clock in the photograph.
7:27
